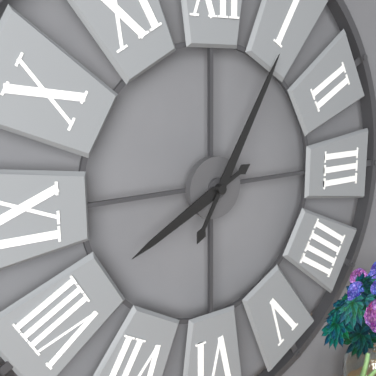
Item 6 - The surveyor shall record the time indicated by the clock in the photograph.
8:05
